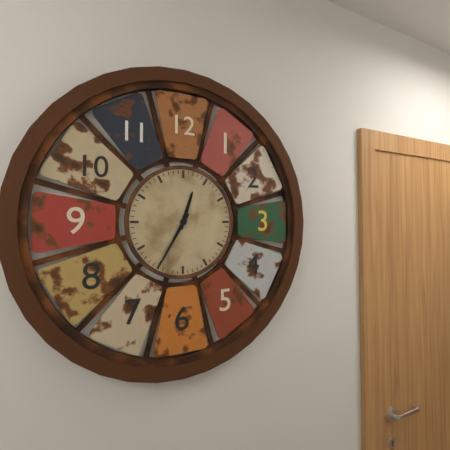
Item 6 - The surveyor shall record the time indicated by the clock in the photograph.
12:35
